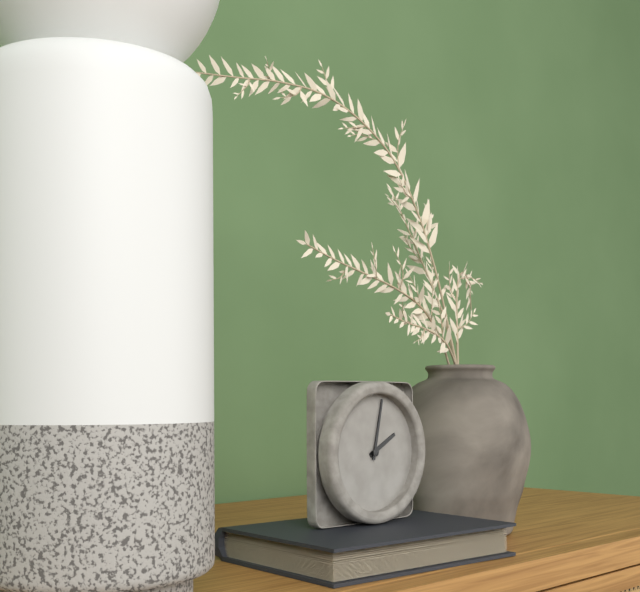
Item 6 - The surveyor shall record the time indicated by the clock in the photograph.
2:02
